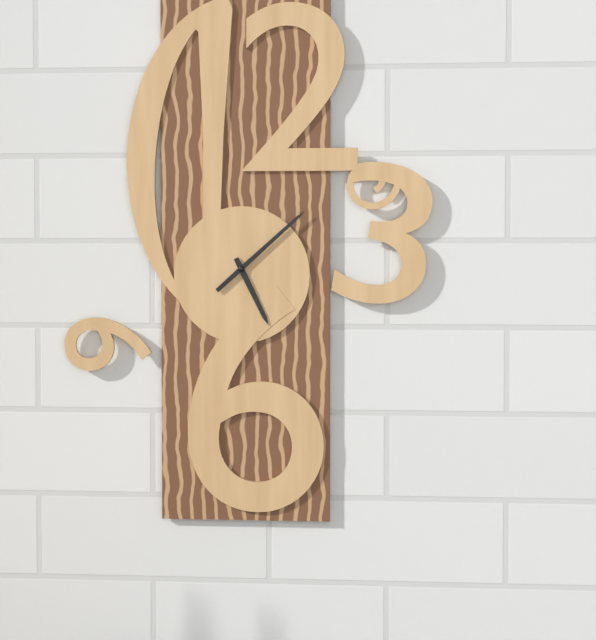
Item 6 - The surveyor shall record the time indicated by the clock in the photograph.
5:08
